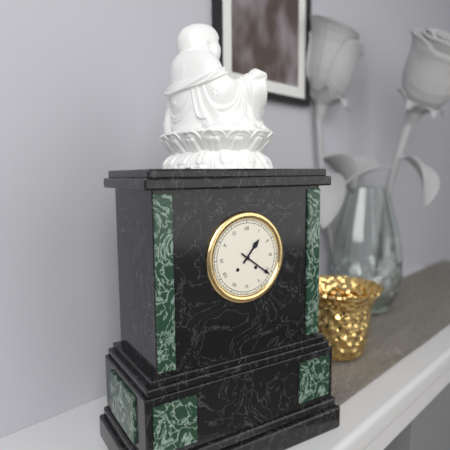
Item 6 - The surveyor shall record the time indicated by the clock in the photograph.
1:21
